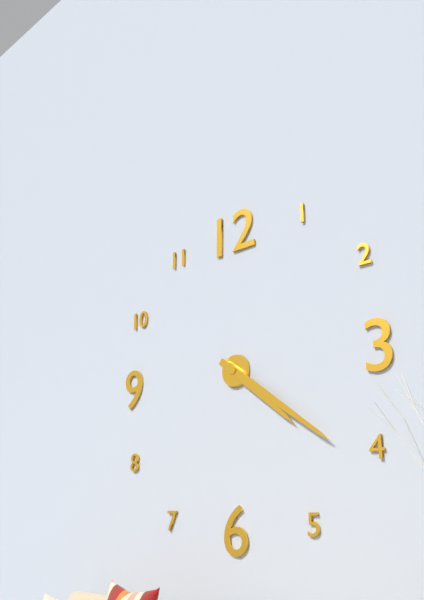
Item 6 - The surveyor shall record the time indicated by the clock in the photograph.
4:21
